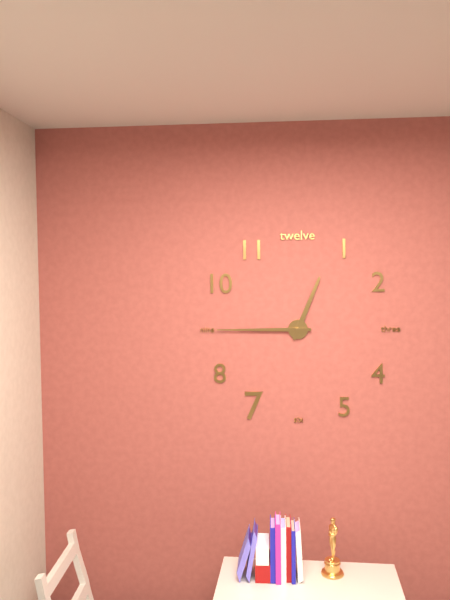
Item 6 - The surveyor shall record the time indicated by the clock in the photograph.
12:45
